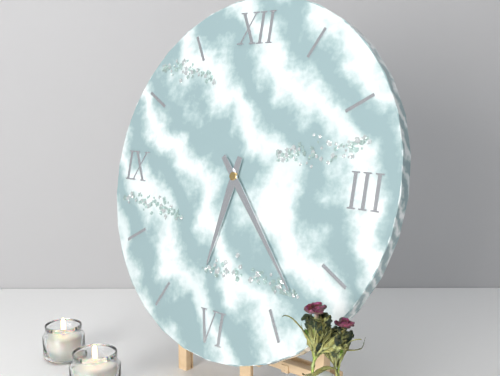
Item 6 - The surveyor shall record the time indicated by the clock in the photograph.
6:23
